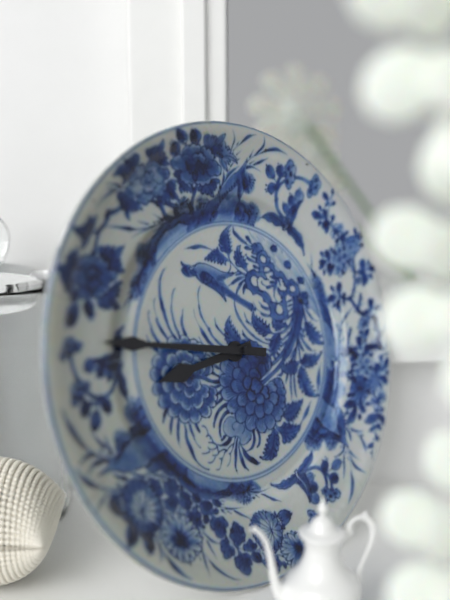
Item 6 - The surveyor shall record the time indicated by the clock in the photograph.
8:47
